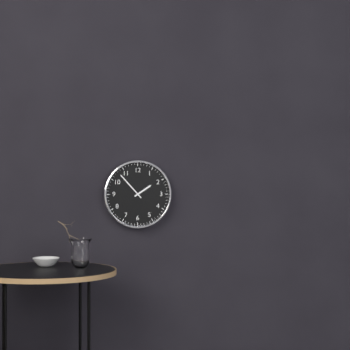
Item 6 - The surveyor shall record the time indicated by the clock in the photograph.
1:53
